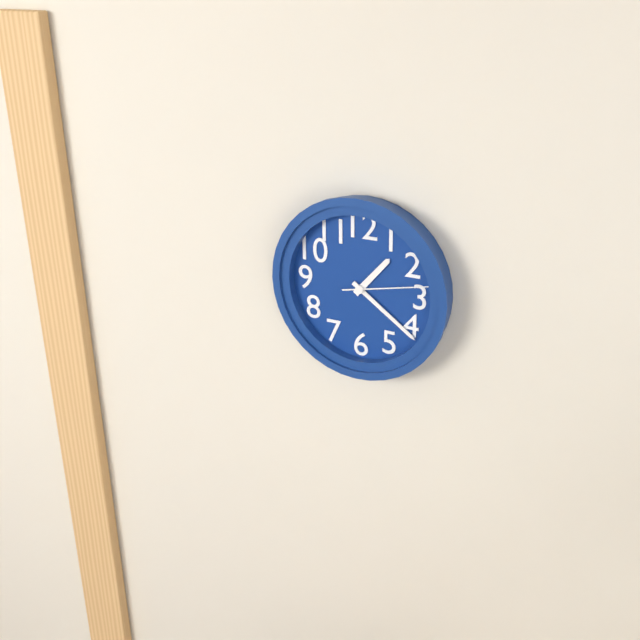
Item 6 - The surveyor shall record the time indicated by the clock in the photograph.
1:21:13
